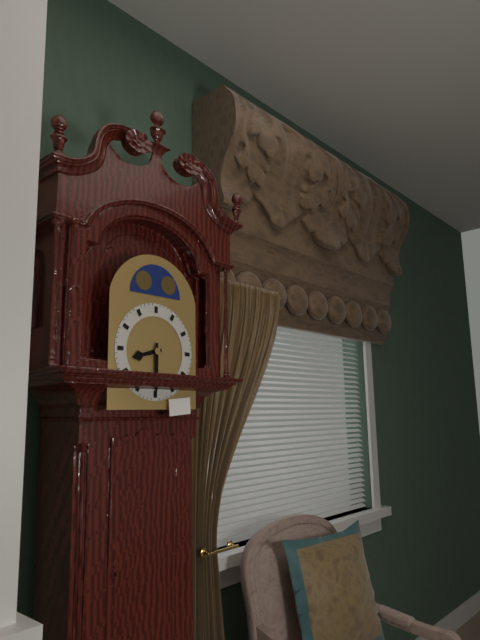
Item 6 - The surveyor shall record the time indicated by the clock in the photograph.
8:30
